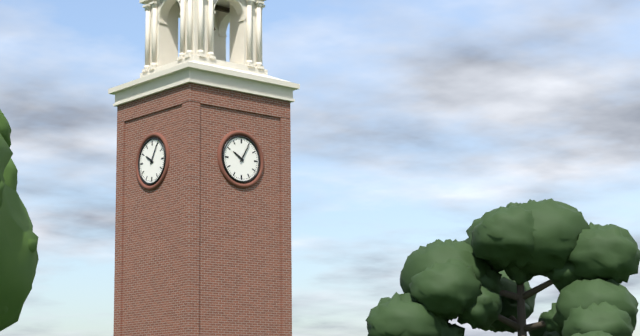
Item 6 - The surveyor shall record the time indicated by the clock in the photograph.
10:05
